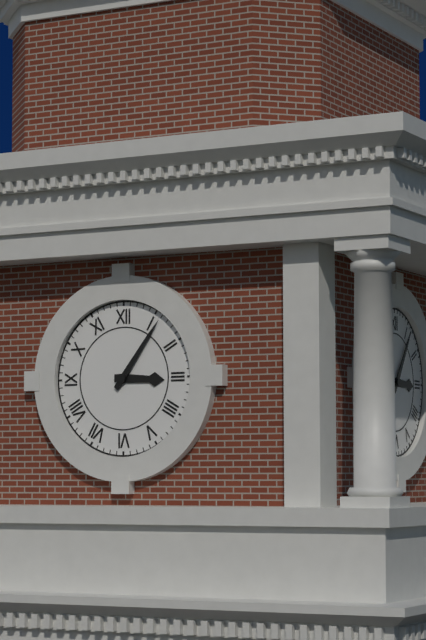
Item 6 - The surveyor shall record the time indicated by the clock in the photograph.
3:06
